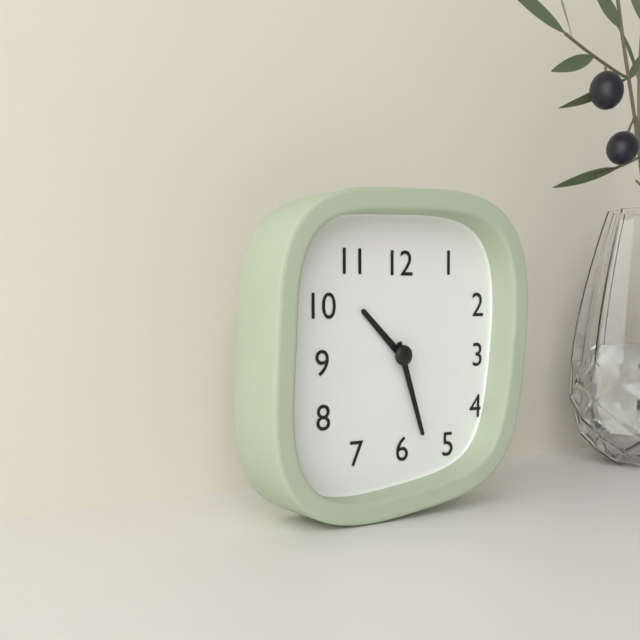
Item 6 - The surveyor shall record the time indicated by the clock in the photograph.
10:27
